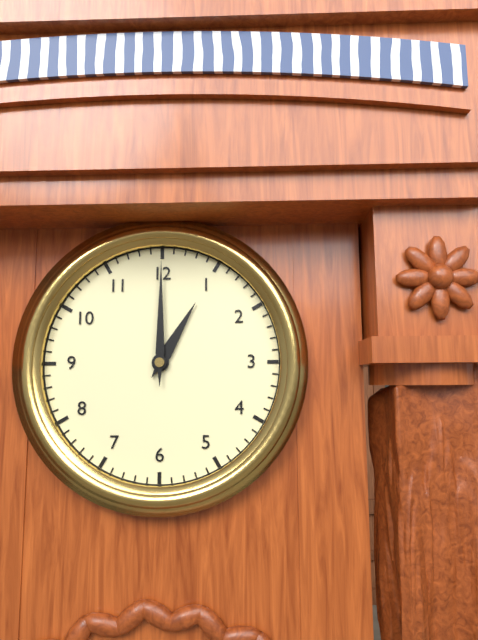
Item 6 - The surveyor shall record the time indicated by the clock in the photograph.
1:00
